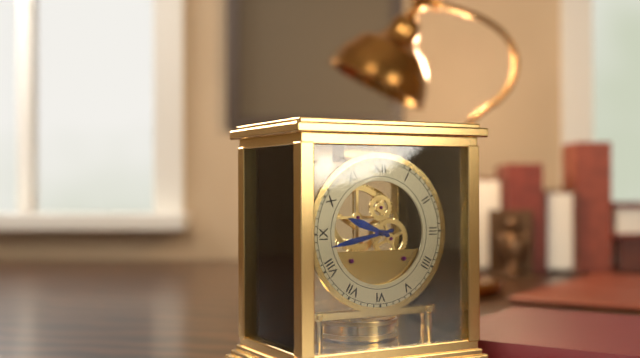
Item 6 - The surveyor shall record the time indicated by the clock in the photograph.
9:43
